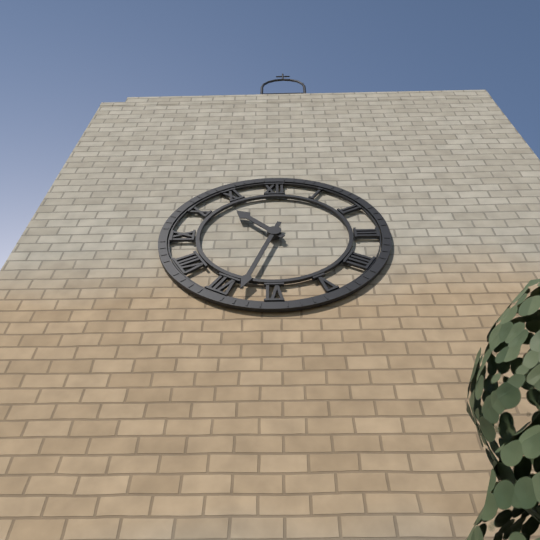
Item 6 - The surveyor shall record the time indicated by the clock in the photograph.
10:33
